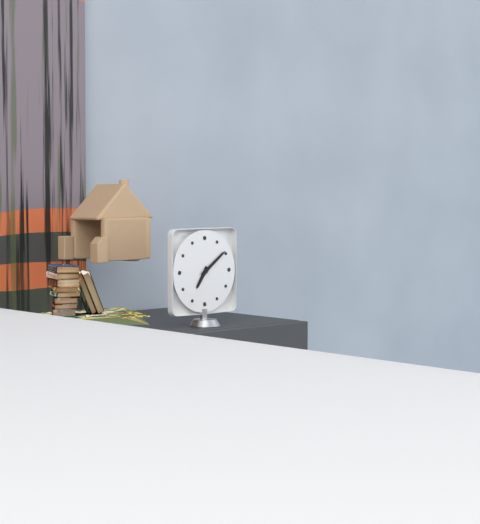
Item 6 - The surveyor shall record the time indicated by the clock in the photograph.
7:09
